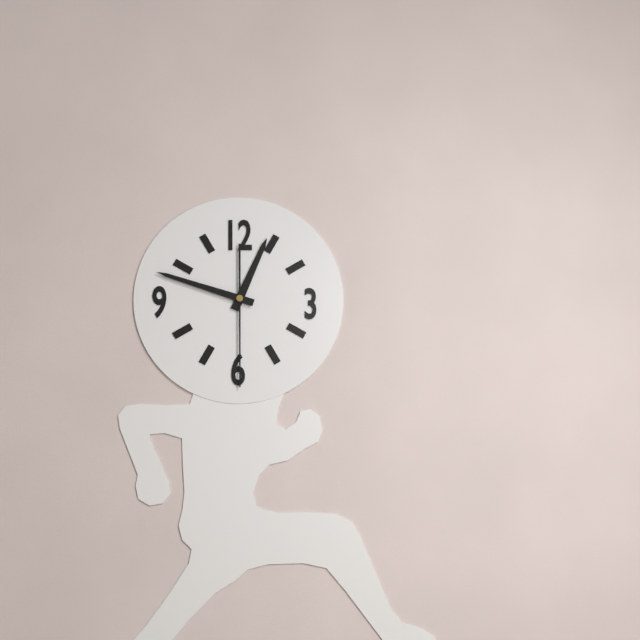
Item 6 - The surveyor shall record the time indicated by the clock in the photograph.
12:48:30
